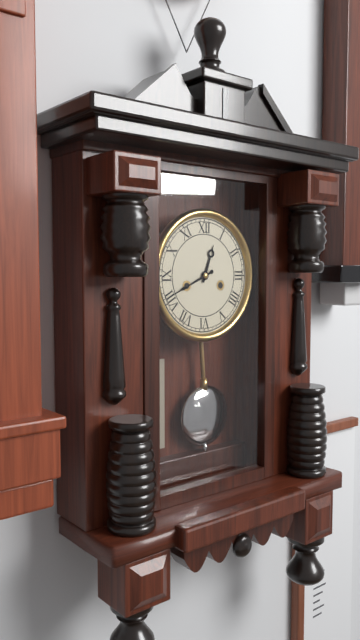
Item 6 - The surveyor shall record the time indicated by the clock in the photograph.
12:41
